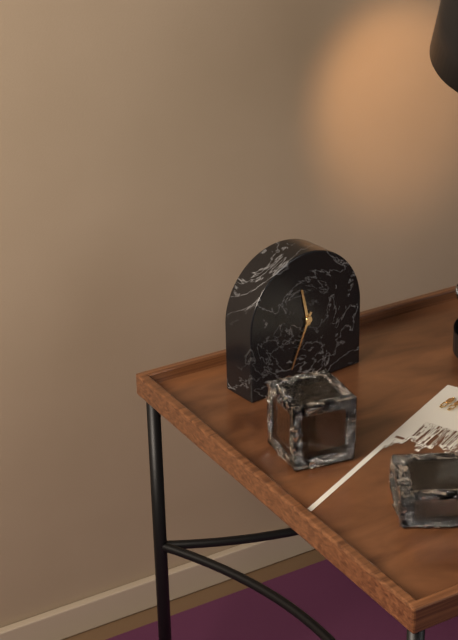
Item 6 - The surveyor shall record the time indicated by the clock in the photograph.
11:34
